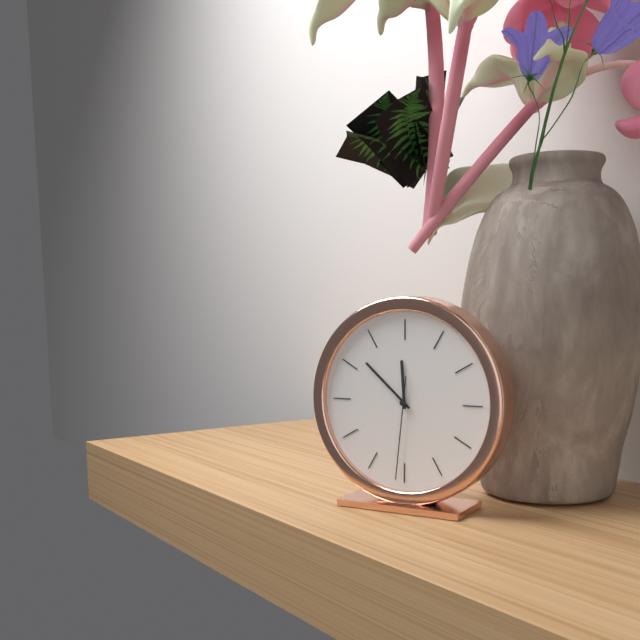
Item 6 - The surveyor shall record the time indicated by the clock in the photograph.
11:52:31
